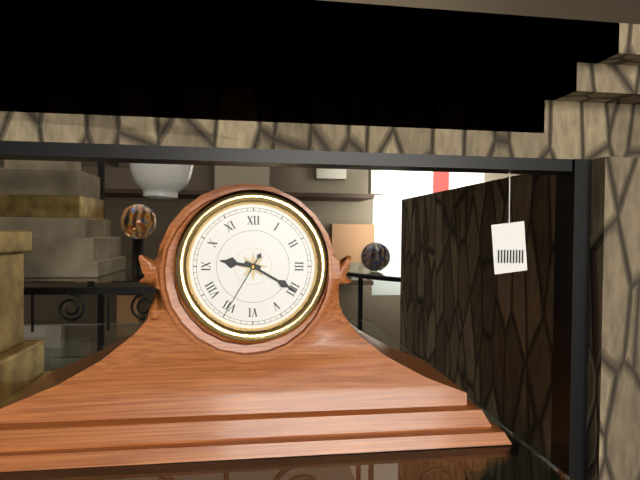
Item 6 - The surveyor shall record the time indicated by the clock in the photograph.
9:20:35
